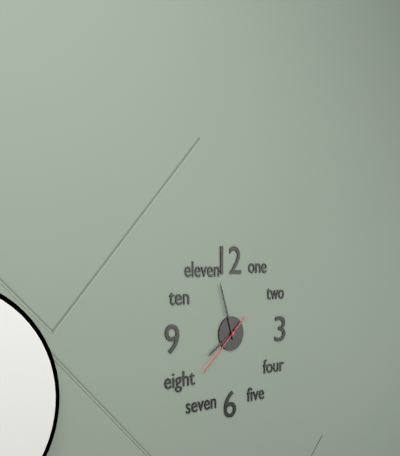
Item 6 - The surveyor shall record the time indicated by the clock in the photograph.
7:57:38
